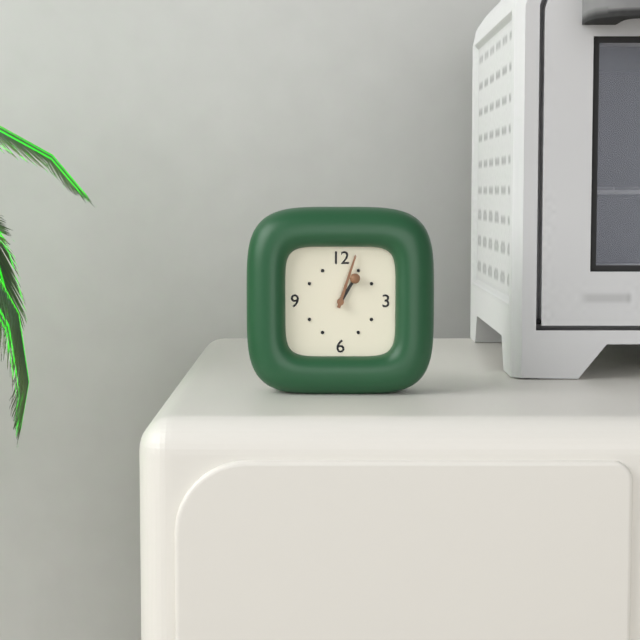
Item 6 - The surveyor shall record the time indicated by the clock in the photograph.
1:03
